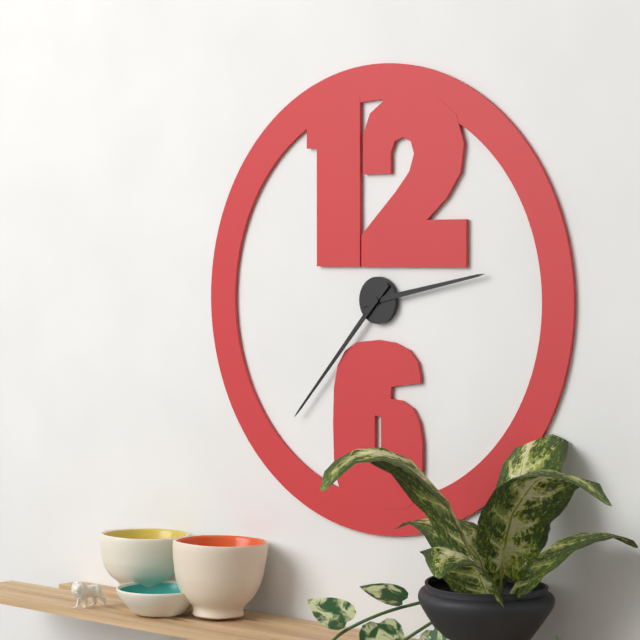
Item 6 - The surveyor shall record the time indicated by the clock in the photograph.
2:37
